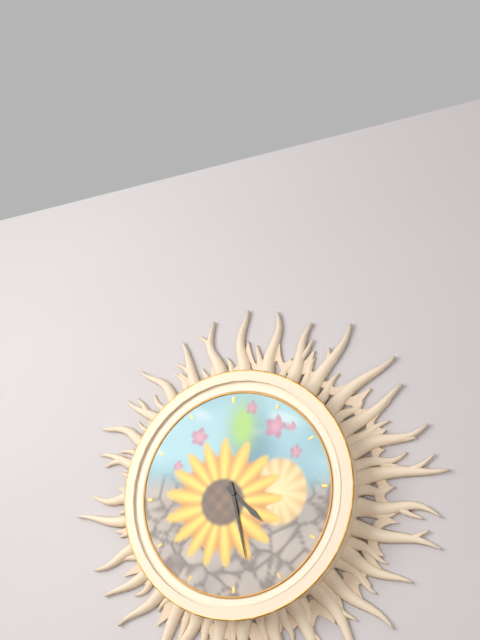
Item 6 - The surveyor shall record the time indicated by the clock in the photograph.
4:28
